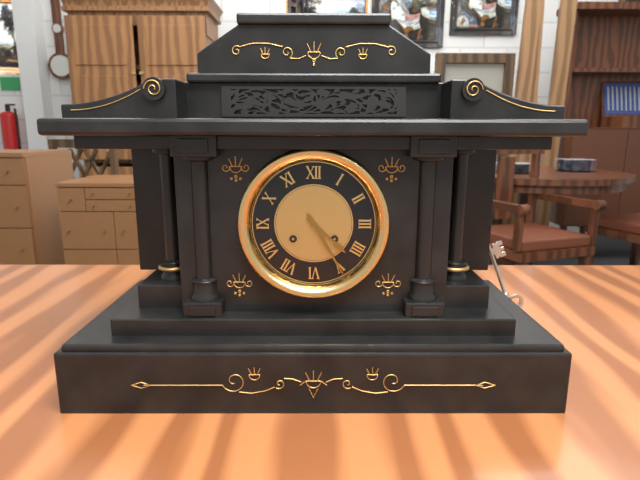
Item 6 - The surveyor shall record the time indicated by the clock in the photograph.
4:25
